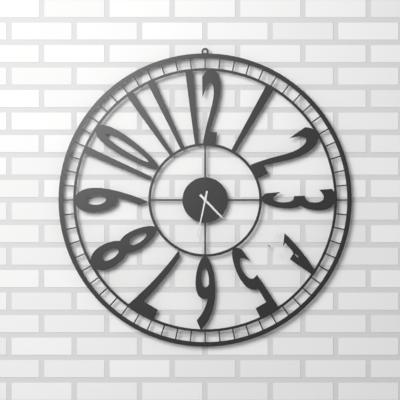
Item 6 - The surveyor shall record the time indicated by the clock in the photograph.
4:32
